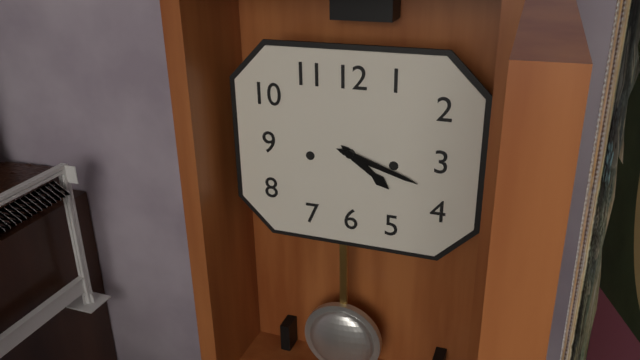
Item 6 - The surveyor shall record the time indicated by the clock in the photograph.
4:18
